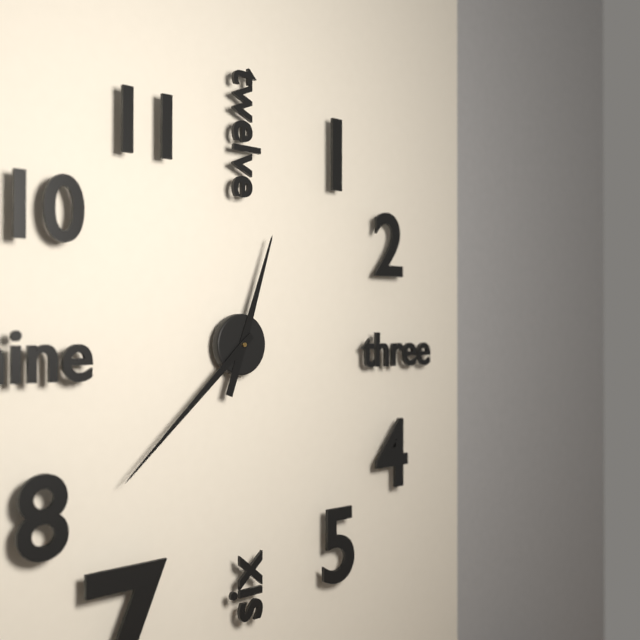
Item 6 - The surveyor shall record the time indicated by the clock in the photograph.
12:38
